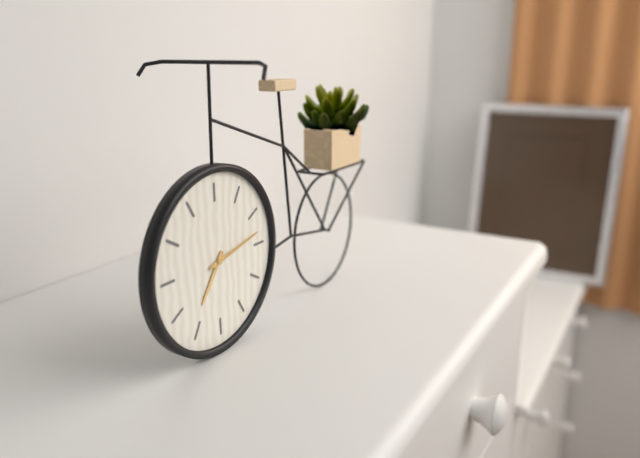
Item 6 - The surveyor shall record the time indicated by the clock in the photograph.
7:13
